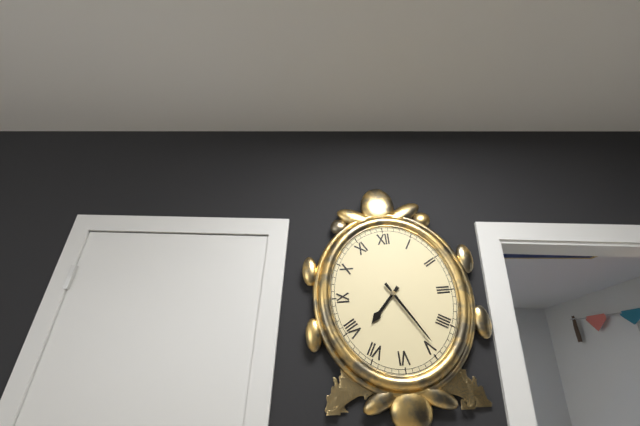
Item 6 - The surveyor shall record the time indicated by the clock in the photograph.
7:25
